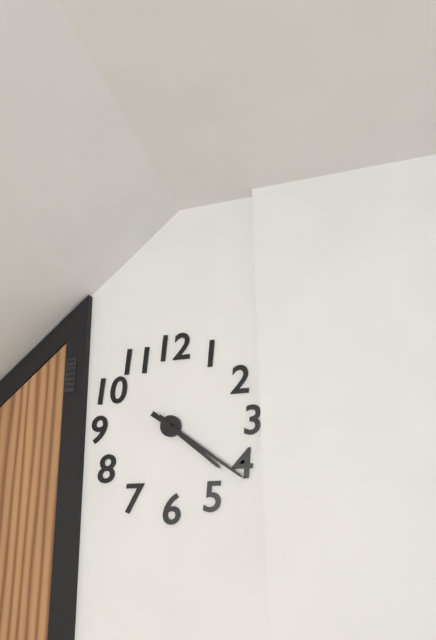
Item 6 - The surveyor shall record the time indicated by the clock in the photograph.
4:21
